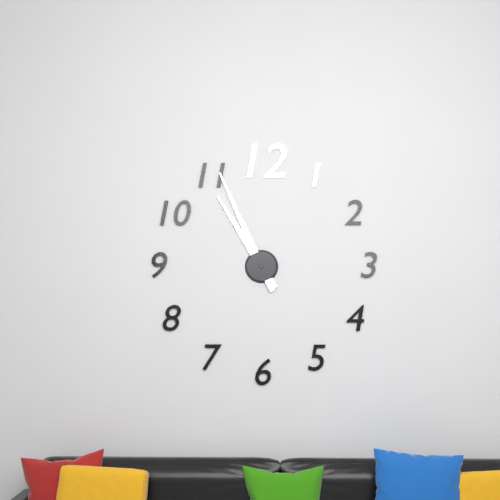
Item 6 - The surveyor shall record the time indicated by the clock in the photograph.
10:56
